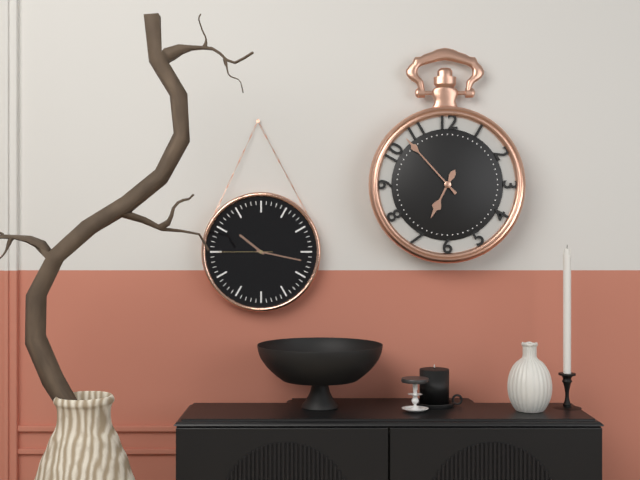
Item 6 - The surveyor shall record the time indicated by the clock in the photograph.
6:53
